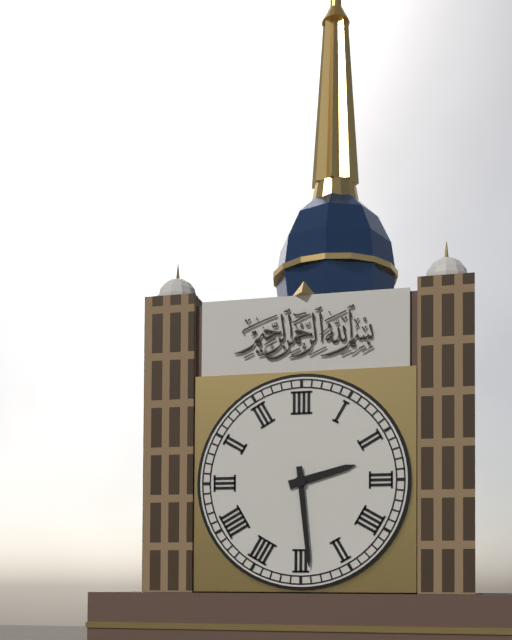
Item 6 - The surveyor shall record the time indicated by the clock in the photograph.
2:29
